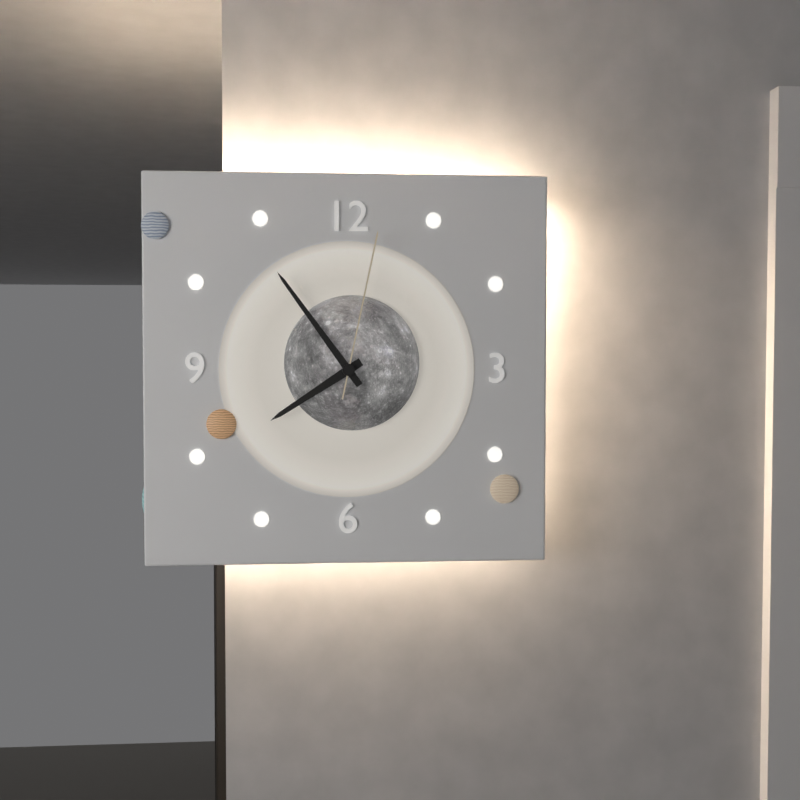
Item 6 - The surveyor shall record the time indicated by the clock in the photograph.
7:54:02
